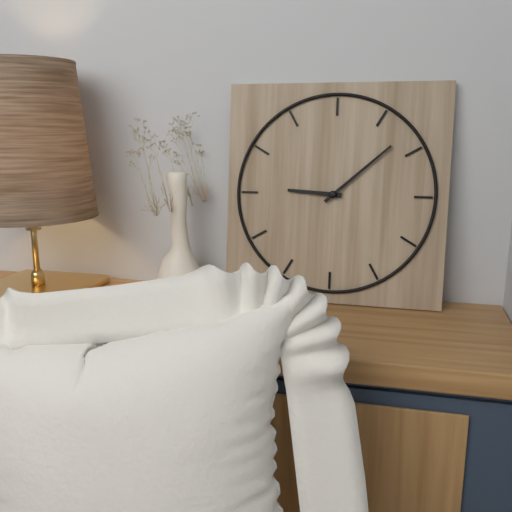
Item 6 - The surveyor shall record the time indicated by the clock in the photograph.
9:08
